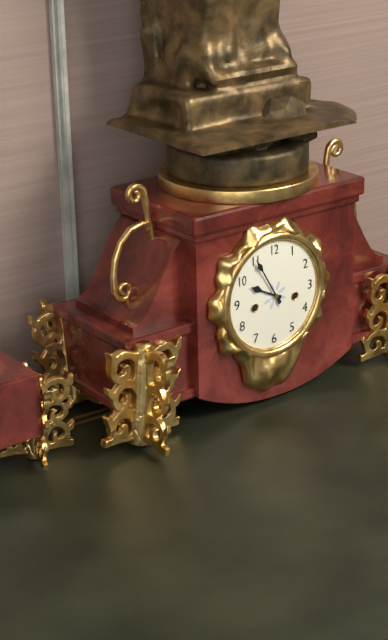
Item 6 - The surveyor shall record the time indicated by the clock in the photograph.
9:55
